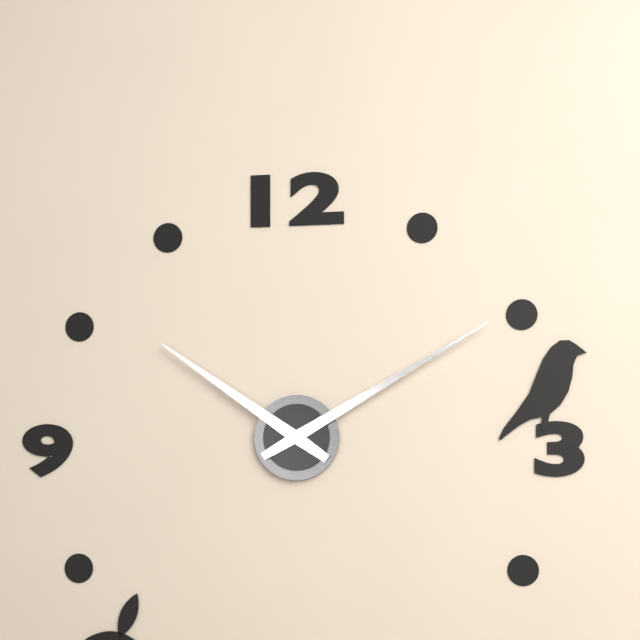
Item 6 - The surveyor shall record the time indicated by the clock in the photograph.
10:10
